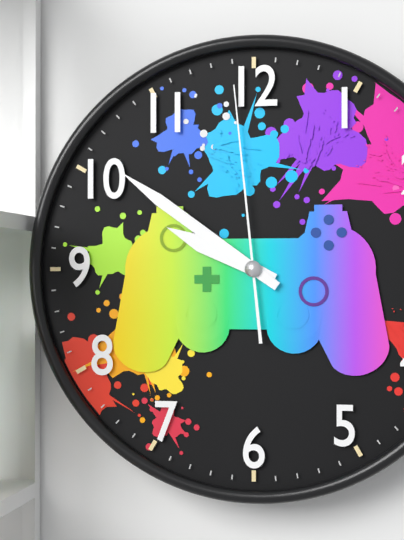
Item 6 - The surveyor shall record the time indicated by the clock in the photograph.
9:51:59
